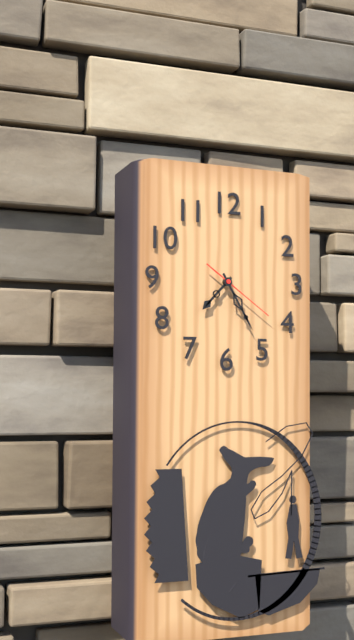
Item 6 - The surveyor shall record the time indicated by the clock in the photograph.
7:25:21
